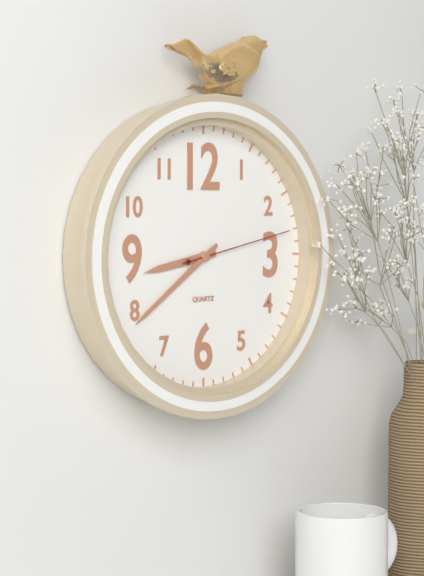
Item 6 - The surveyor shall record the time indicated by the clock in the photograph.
8:39:13
